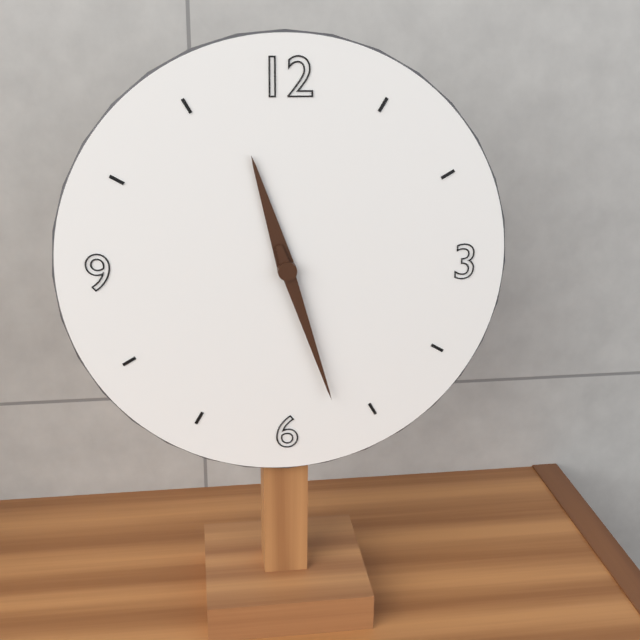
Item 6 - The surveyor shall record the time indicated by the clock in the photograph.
11:27
